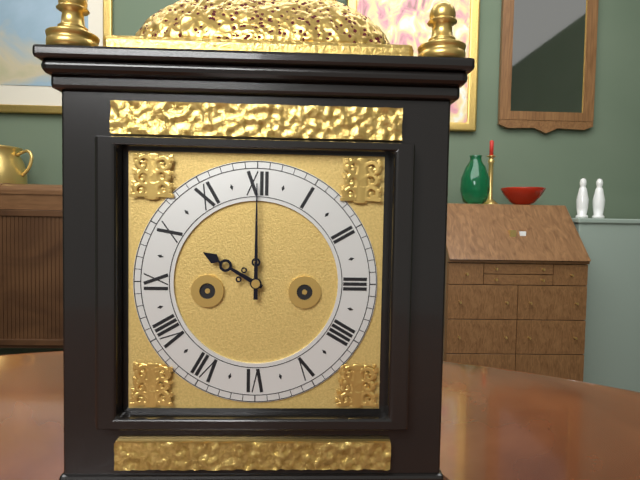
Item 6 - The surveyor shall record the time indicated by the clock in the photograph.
10:00
